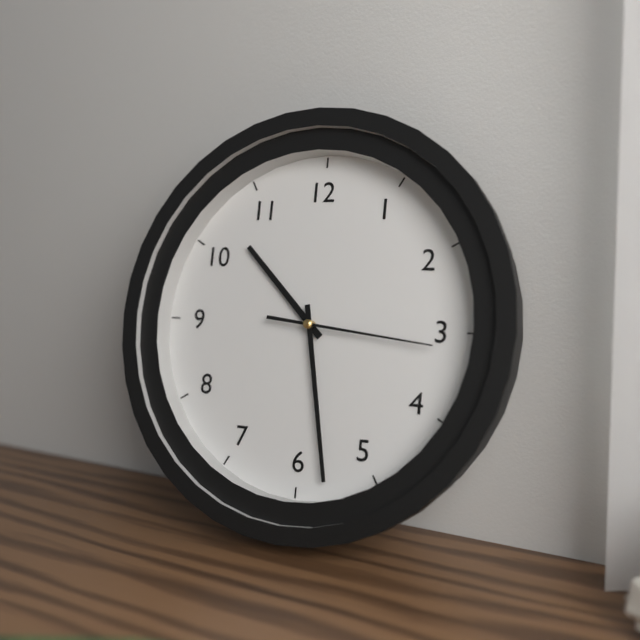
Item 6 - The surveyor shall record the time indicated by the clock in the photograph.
10:28:16
